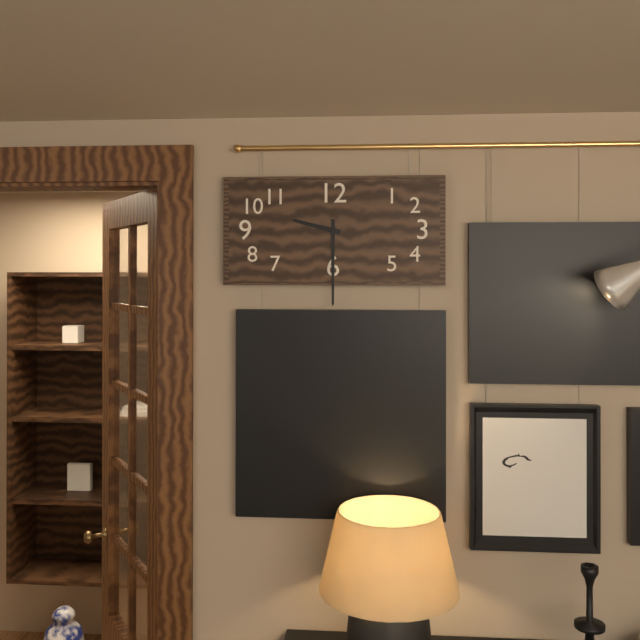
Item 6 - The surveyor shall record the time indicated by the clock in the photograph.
9:30
